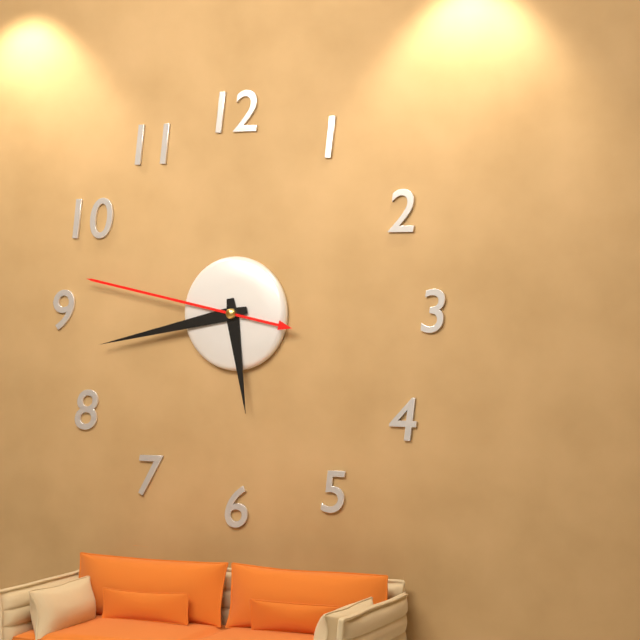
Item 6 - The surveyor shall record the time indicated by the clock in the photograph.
5:43:47
